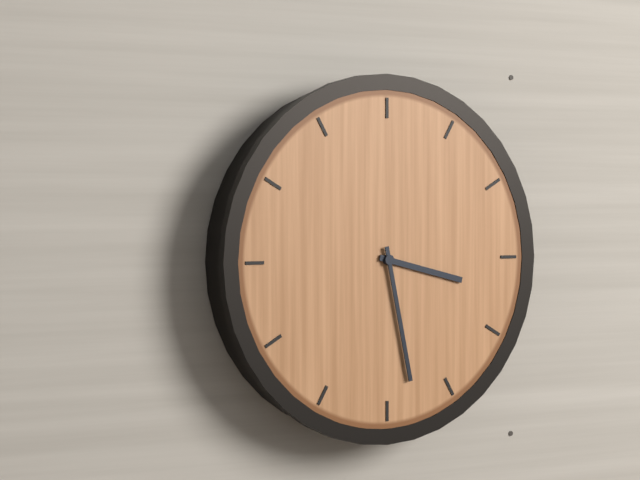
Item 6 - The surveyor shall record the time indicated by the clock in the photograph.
3:28
